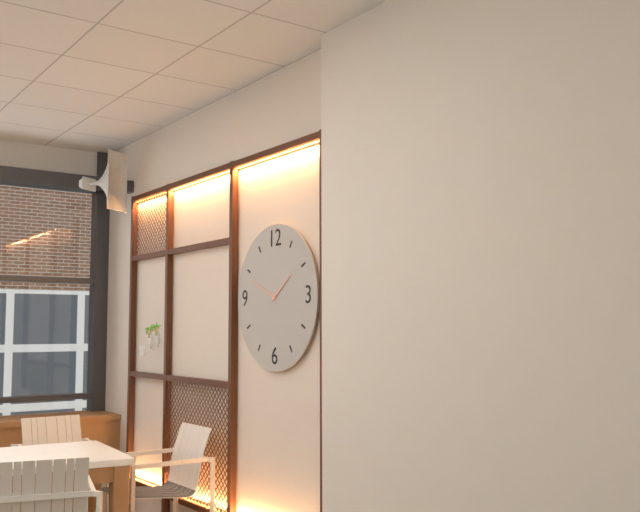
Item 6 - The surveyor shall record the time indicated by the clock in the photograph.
1:49
